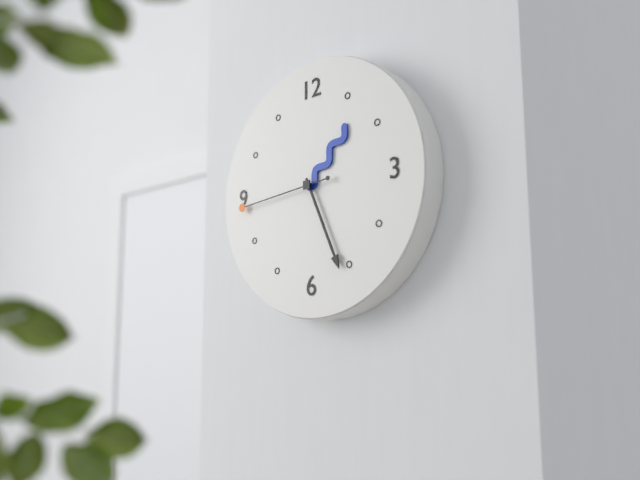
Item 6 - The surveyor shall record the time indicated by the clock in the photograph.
1:26:44
